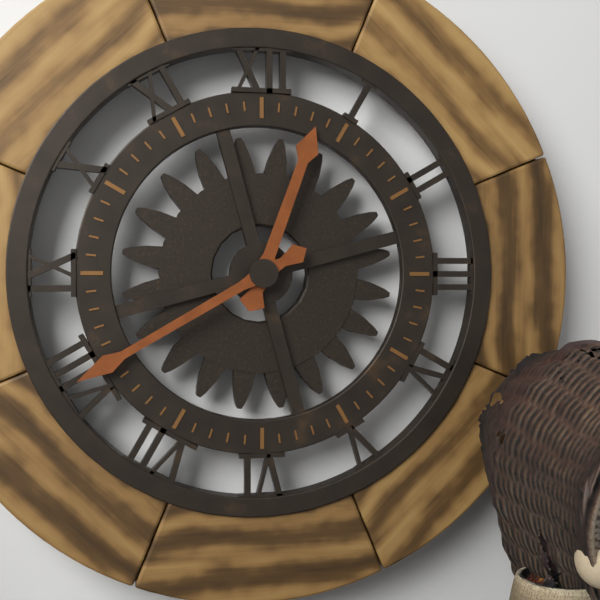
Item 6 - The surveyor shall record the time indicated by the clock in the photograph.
12:40
